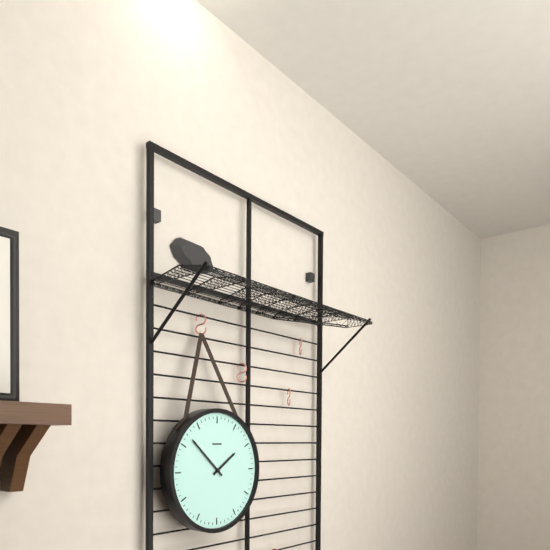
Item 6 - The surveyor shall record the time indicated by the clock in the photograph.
1:52
